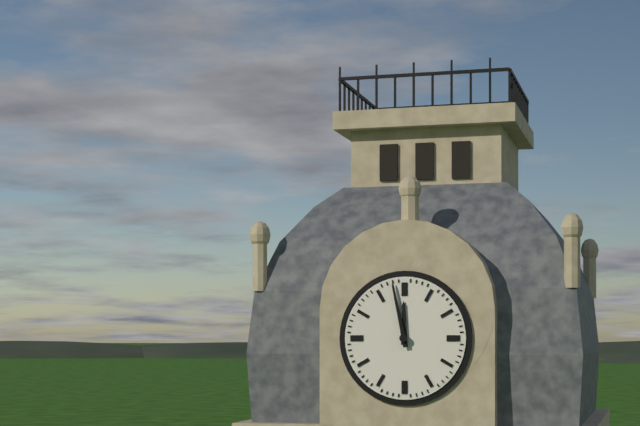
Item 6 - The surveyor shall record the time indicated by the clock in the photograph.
11:58
